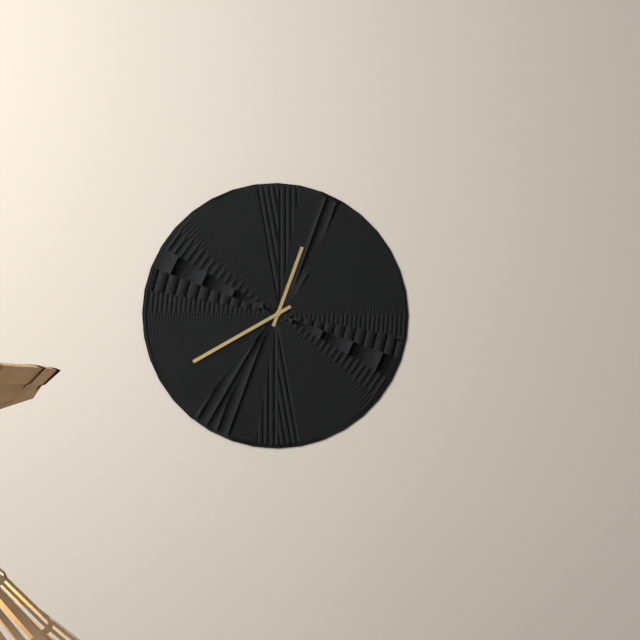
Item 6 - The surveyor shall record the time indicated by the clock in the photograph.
12:40
